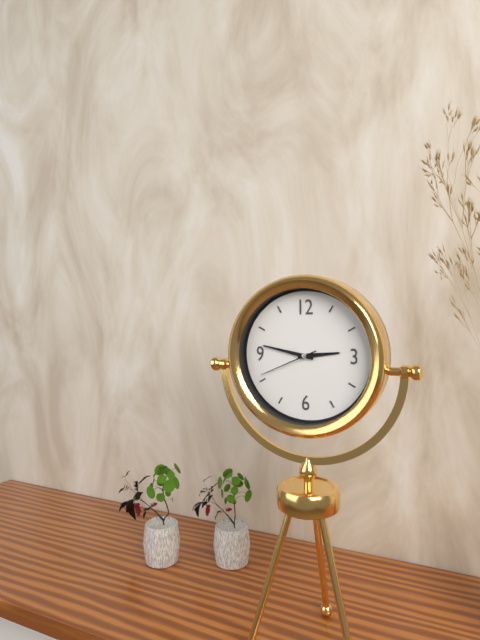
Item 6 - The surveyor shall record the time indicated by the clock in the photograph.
2:47:41
